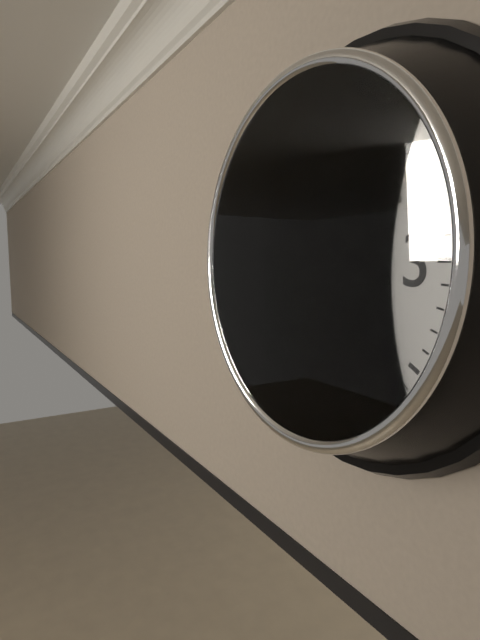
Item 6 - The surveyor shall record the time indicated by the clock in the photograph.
3:21
